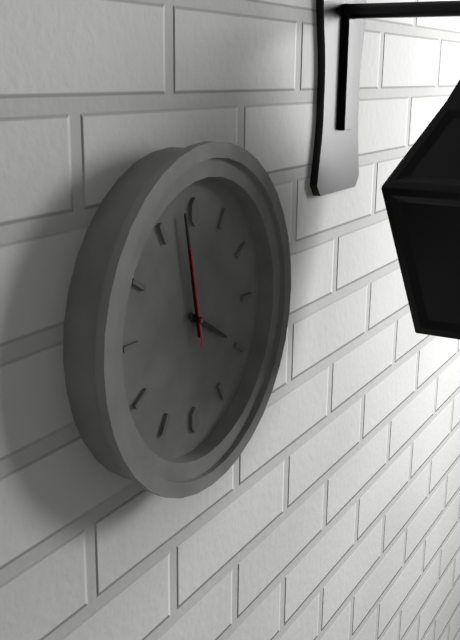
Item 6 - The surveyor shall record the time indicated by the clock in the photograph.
3:58:58
